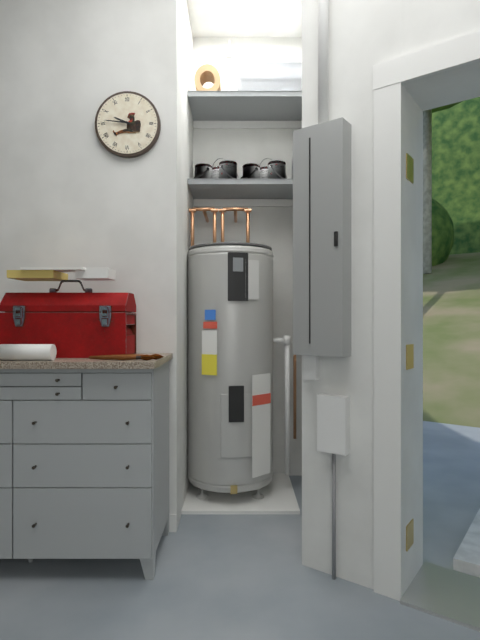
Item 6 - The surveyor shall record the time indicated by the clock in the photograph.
9:46
